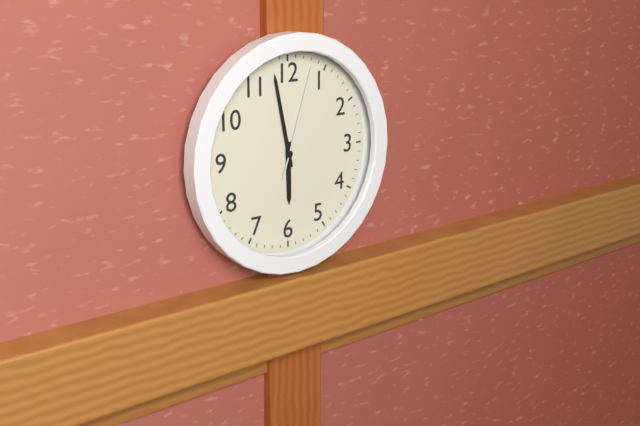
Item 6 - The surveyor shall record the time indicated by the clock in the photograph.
5:58:03
